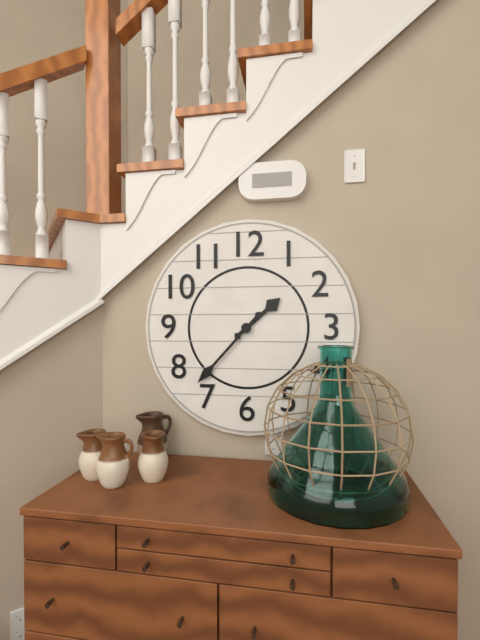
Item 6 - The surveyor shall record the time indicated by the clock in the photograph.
1:37
